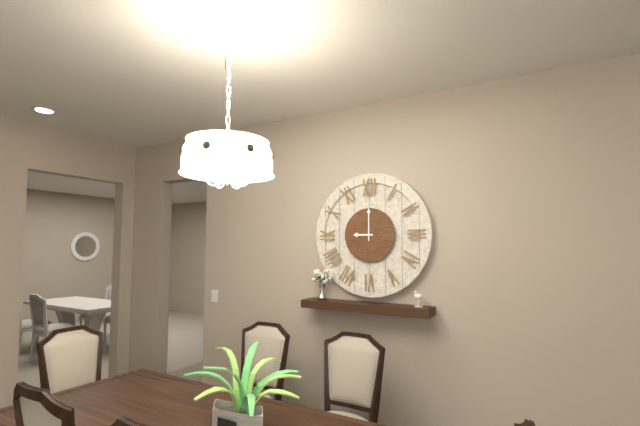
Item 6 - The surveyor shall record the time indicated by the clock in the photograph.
9:00
